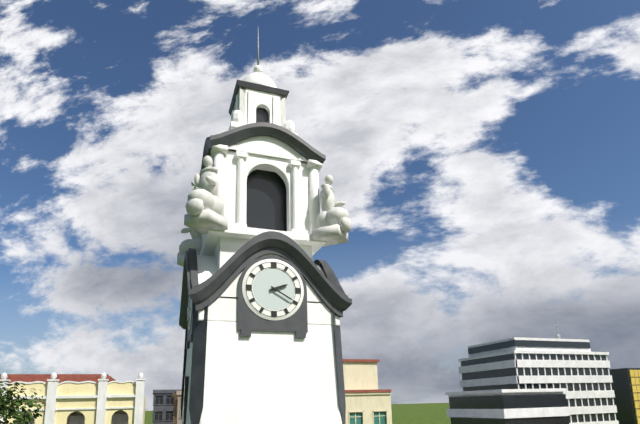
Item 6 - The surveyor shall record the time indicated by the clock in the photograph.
2:20
